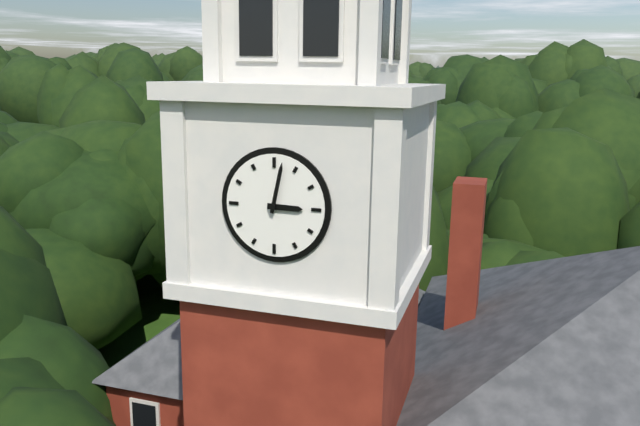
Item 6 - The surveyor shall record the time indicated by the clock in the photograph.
3:02
